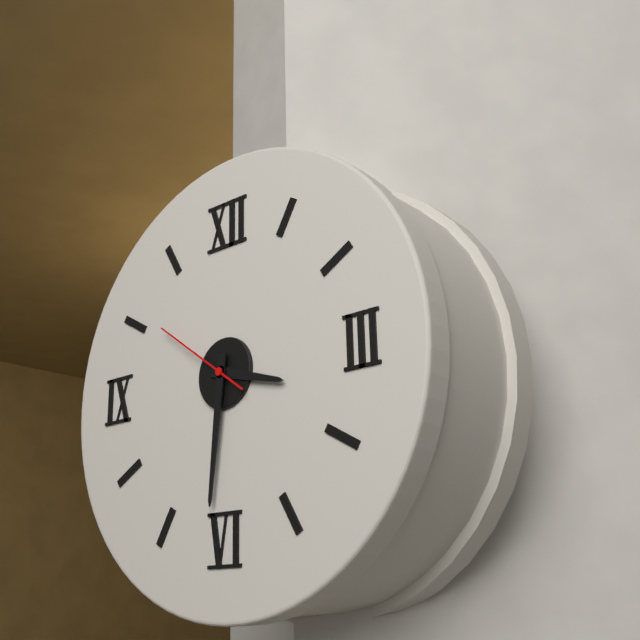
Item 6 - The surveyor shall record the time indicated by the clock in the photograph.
3:31:51
